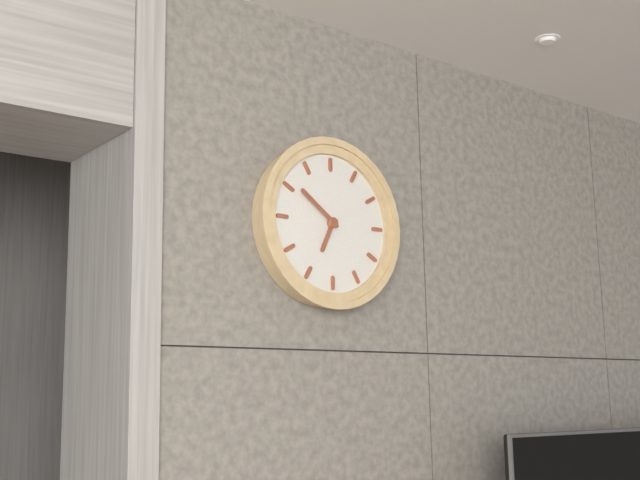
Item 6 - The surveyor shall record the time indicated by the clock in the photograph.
6:51
